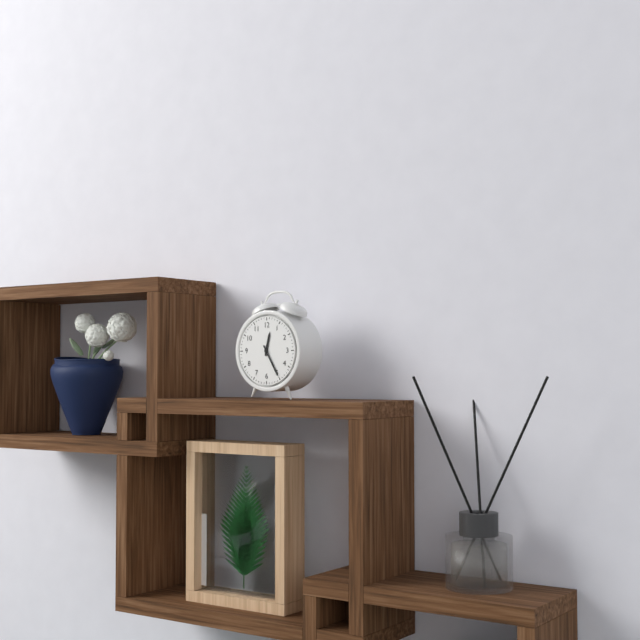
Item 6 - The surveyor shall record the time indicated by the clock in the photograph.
12:25
